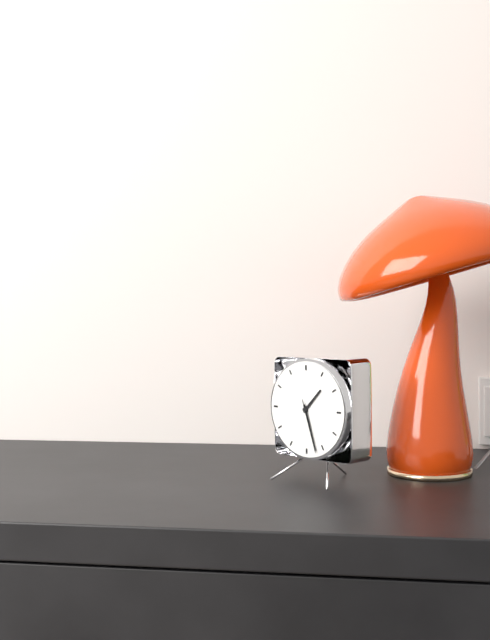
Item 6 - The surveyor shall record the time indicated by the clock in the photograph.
1:27:27
